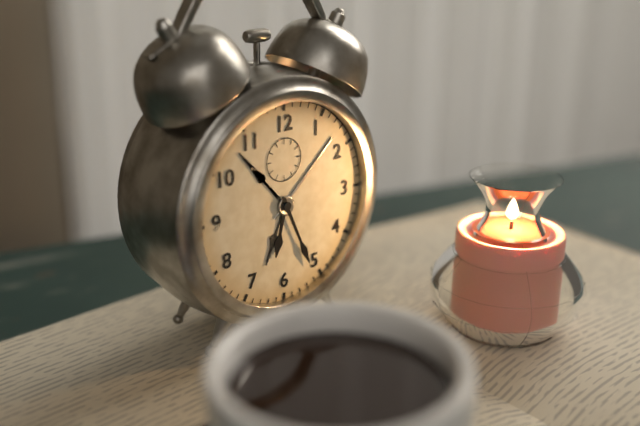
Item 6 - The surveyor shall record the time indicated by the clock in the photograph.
6:26
